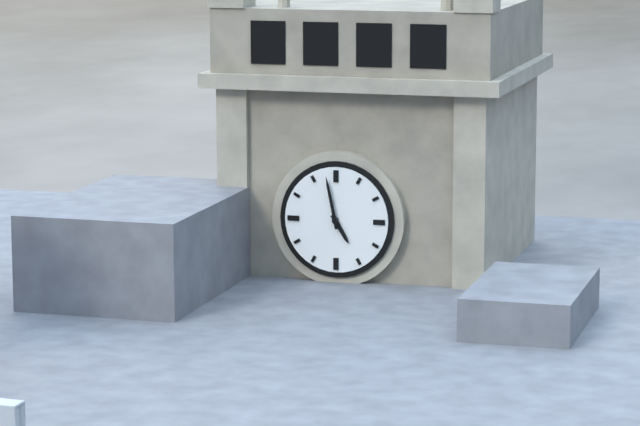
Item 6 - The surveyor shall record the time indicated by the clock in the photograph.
4:58
